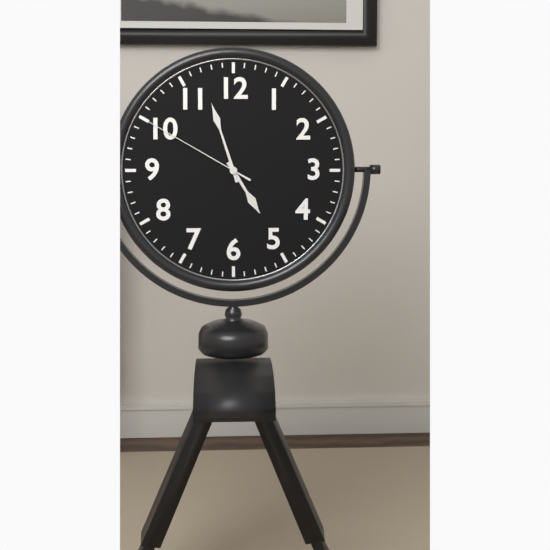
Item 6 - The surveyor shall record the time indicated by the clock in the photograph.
4:57:50
